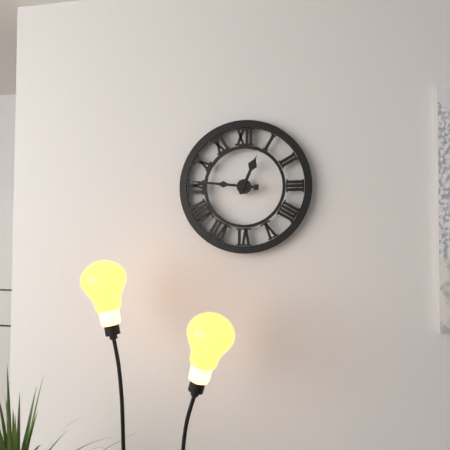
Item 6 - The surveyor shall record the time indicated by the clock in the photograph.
12:46
